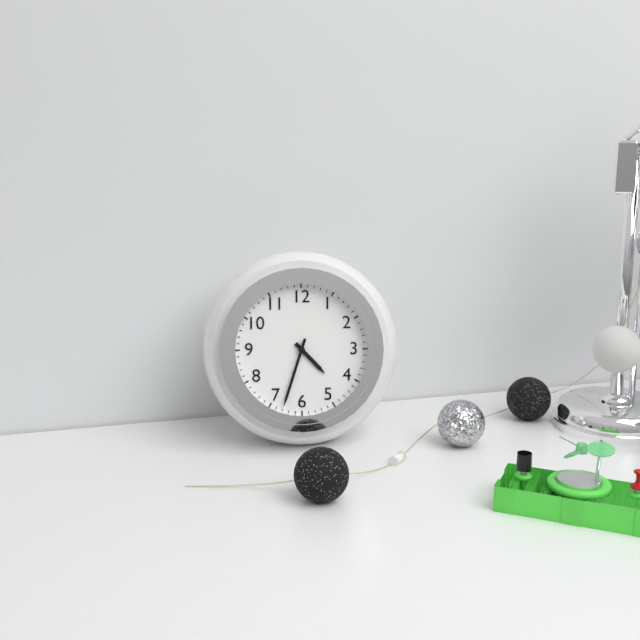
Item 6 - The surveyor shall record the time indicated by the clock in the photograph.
4:33
